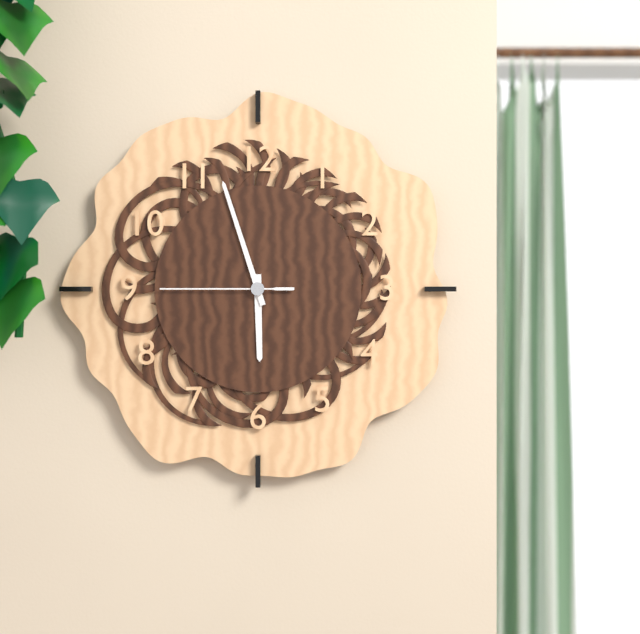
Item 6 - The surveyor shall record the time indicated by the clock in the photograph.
5:57:45
